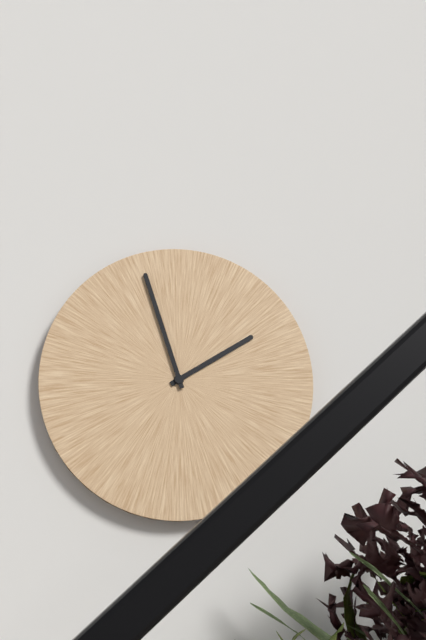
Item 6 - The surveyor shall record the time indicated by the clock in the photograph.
1:57
